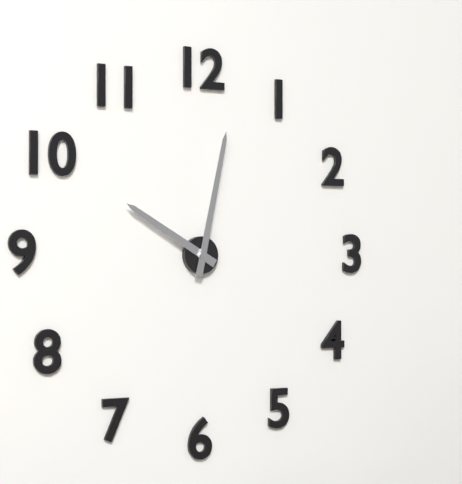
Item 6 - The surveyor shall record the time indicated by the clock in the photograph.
10:02
